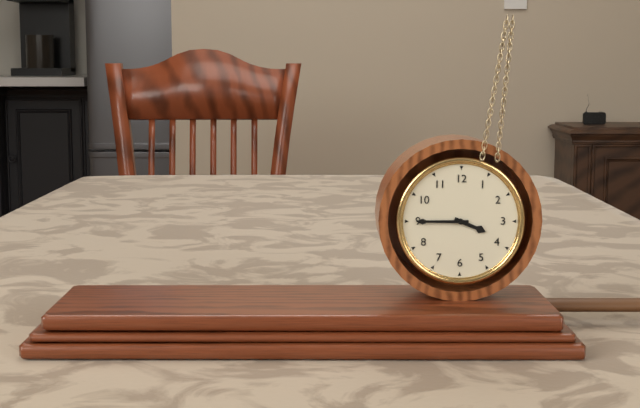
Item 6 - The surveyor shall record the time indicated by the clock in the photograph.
3:45
